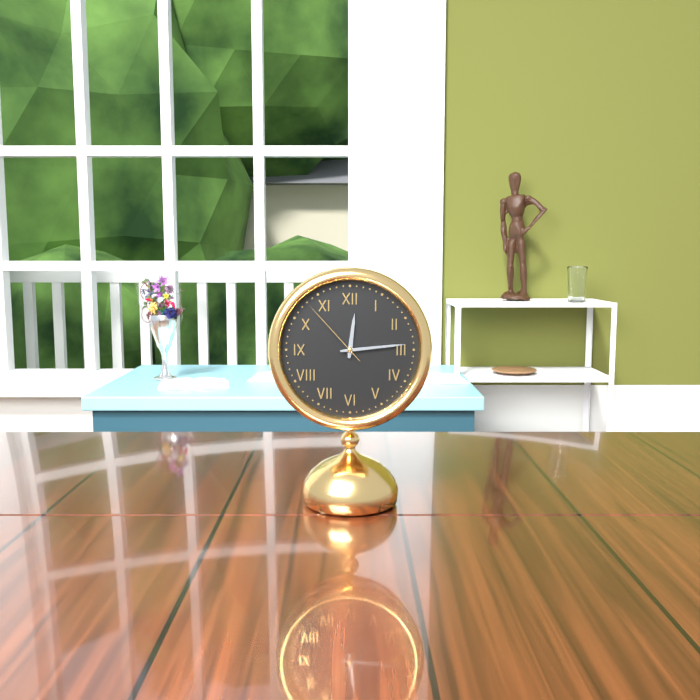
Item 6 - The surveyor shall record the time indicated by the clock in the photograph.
12:14:53
